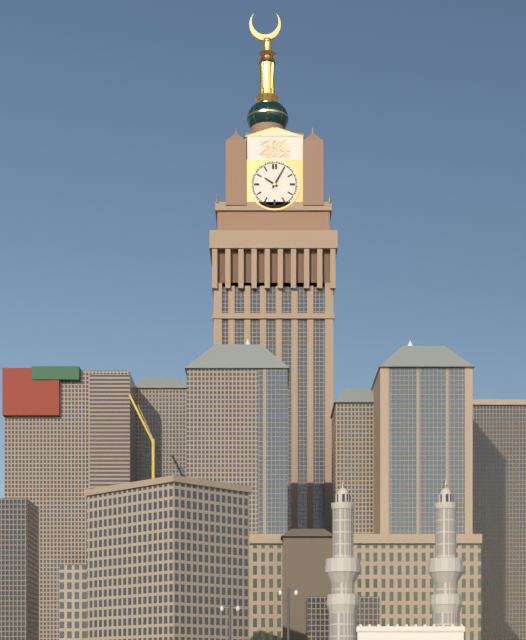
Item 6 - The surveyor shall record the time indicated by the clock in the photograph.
10:05
